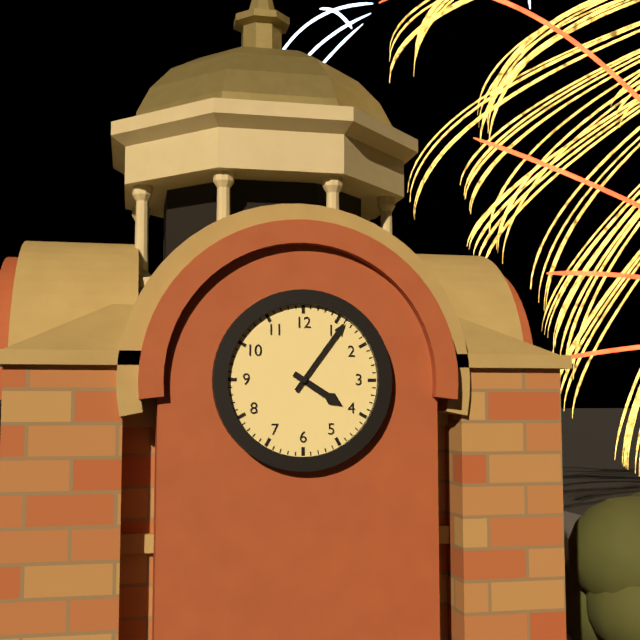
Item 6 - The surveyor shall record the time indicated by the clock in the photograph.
4:06
